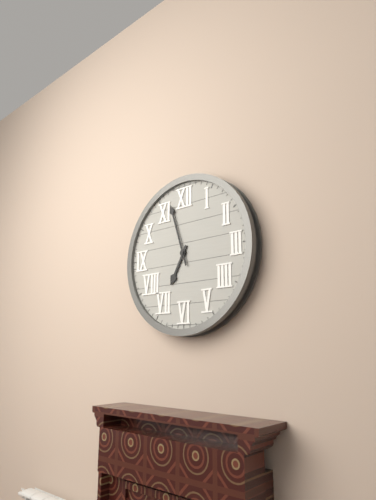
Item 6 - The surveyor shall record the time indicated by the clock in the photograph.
6:57
